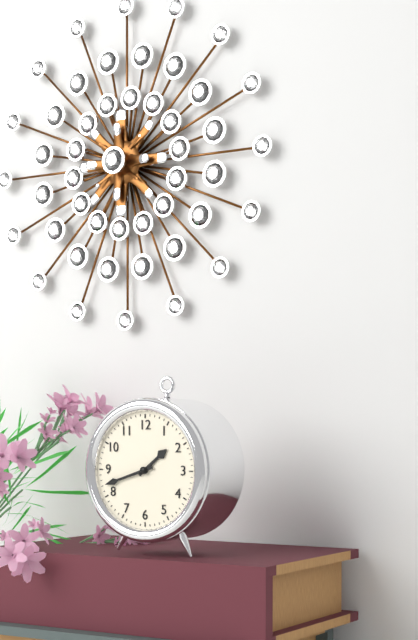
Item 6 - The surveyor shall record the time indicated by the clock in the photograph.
1:42
